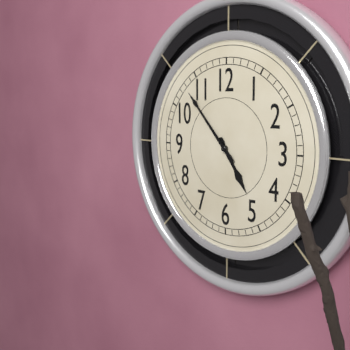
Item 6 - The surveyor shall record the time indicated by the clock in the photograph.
4:53
